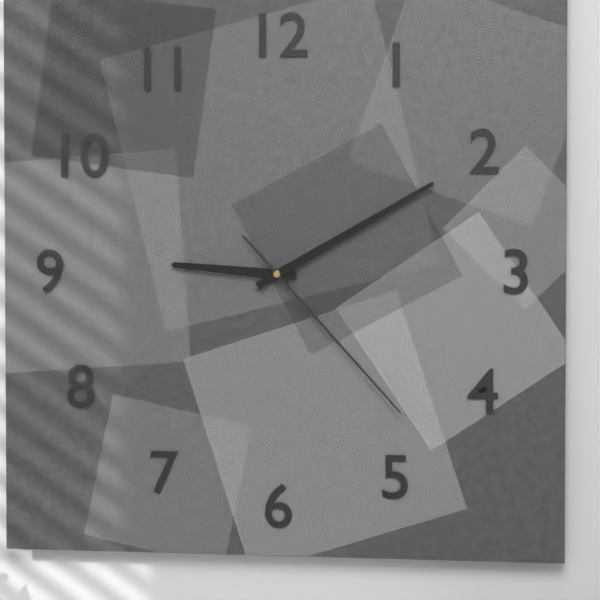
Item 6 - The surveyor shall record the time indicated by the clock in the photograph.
9:10:23
